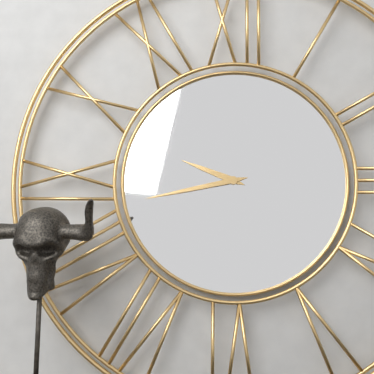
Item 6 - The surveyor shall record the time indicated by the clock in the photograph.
9:43
